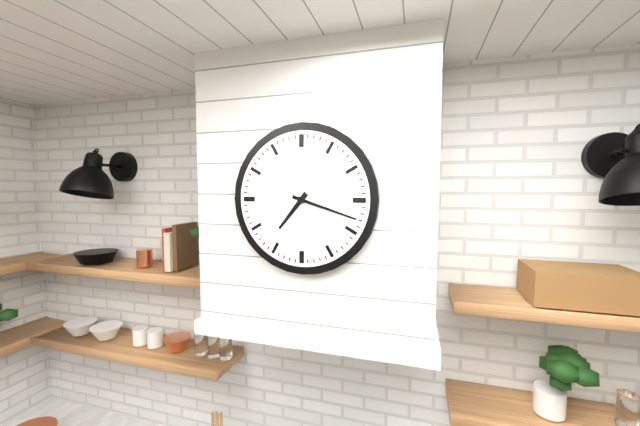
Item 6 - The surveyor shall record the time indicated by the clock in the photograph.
7:18
